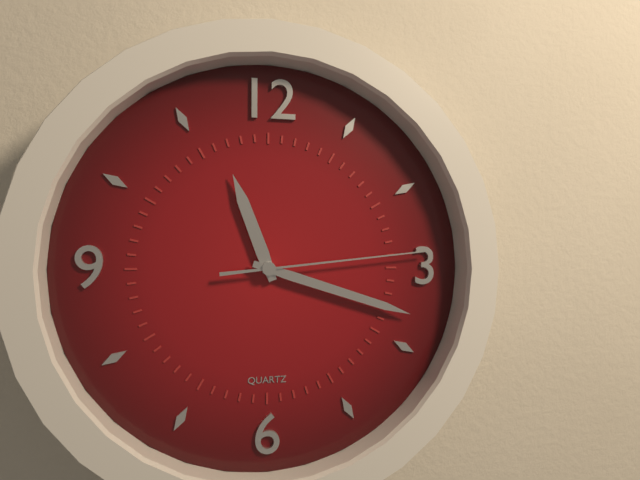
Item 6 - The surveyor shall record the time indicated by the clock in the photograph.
11:18:14
